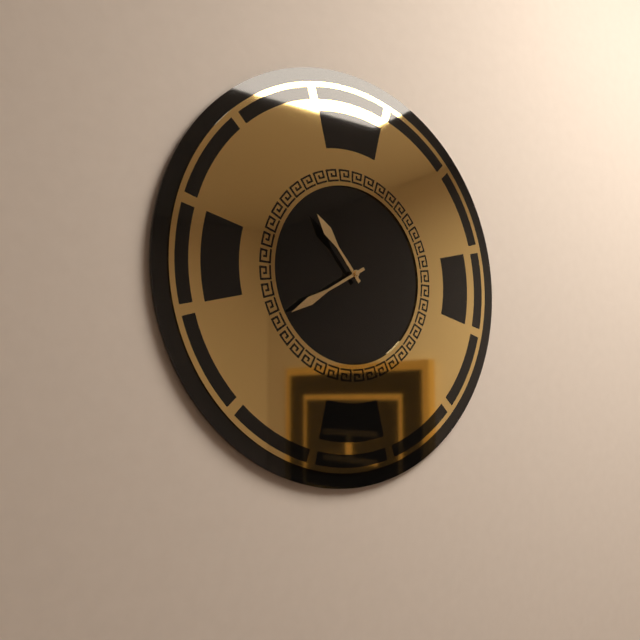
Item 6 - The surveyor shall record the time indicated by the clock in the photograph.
10:40
